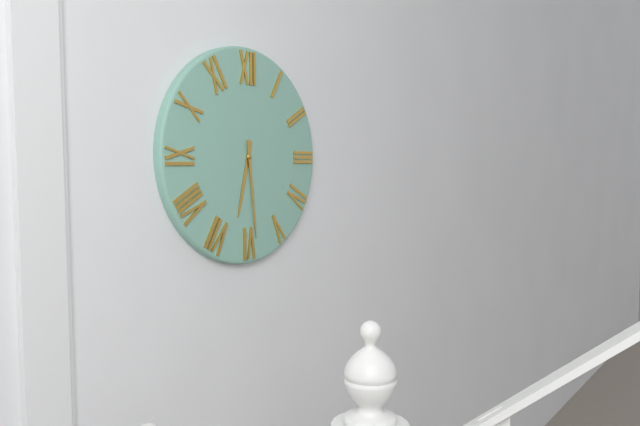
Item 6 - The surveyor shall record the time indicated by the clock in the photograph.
6:29
